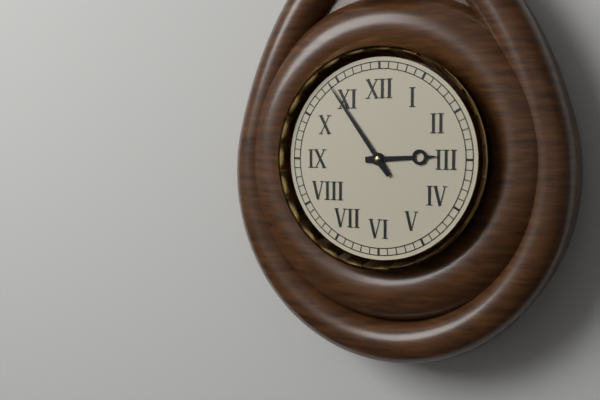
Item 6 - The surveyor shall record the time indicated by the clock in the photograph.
2:54
